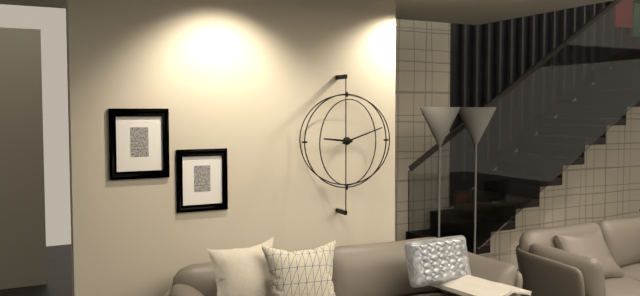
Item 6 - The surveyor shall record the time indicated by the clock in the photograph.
9:12
